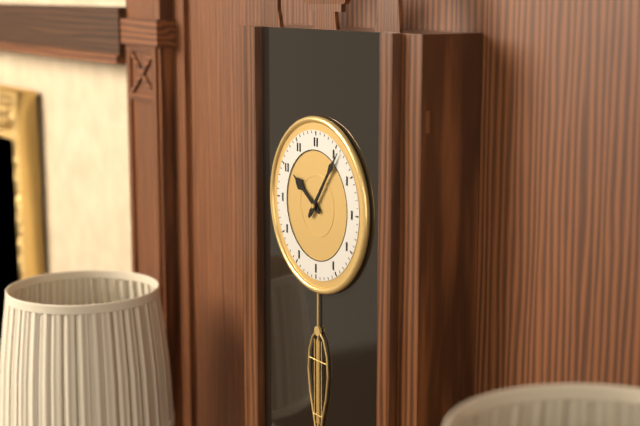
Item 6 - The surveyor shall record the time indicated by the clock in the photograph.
10:06
